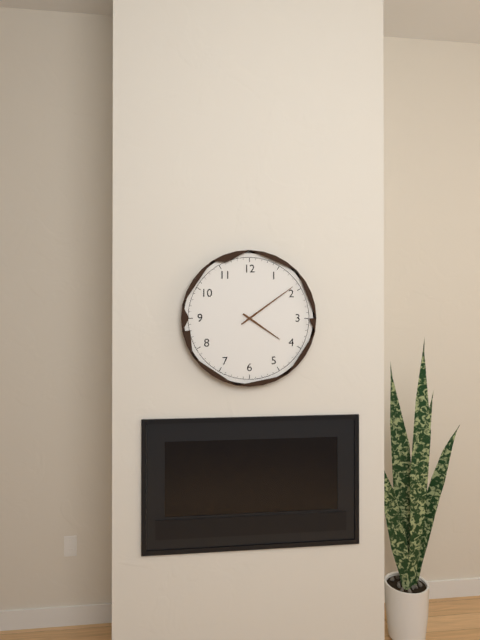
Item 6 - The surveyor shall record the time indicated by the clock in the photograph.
4:09
